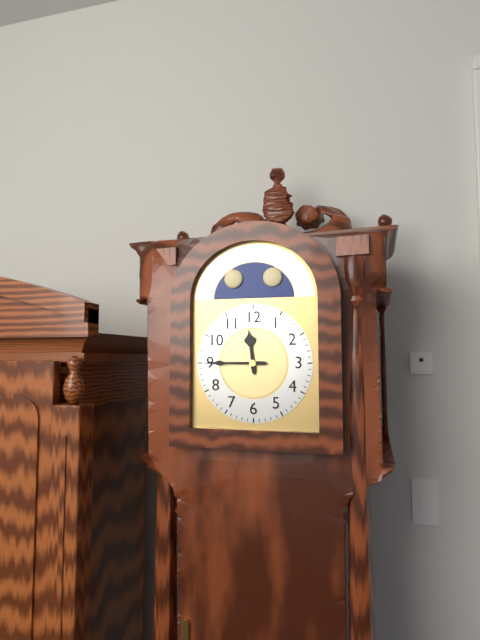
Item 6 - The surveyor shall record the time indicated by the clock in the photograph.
11:45
